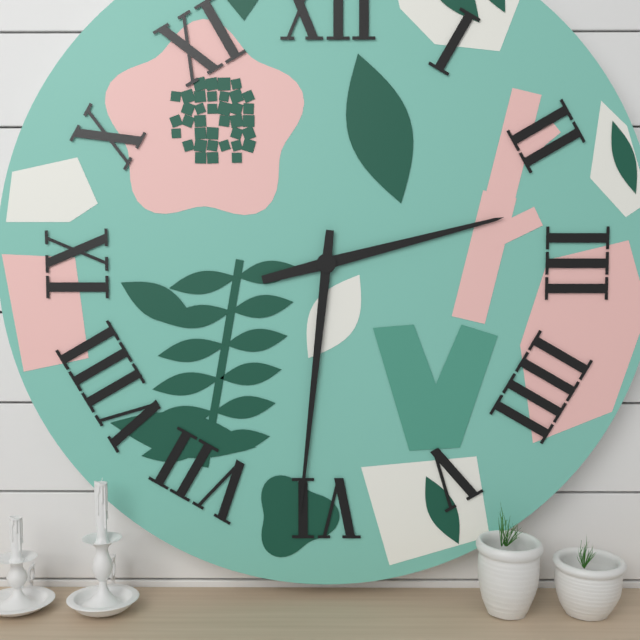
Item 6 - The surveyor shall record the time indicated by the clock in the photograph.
2:31
